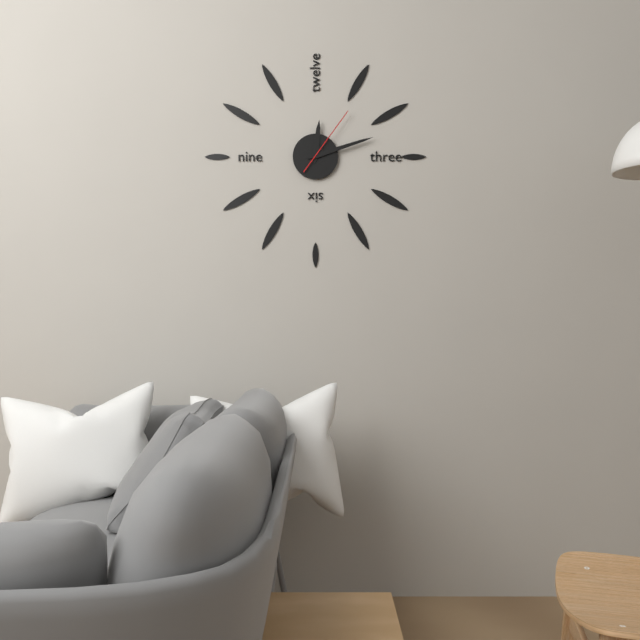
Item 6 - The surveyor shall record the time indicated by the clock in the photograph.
12:12:06
